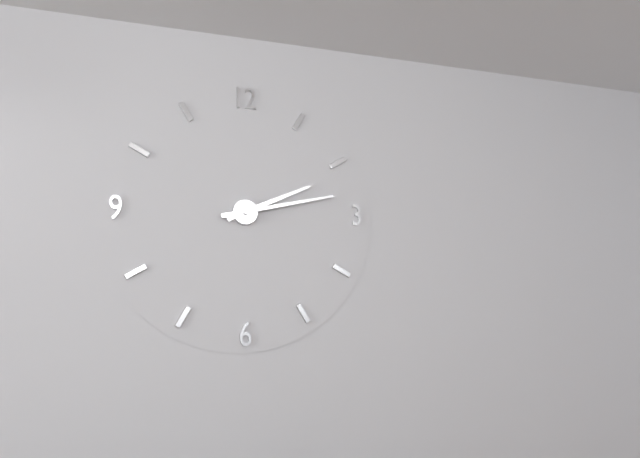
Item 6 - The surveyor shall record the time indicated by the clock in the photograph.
2:13
